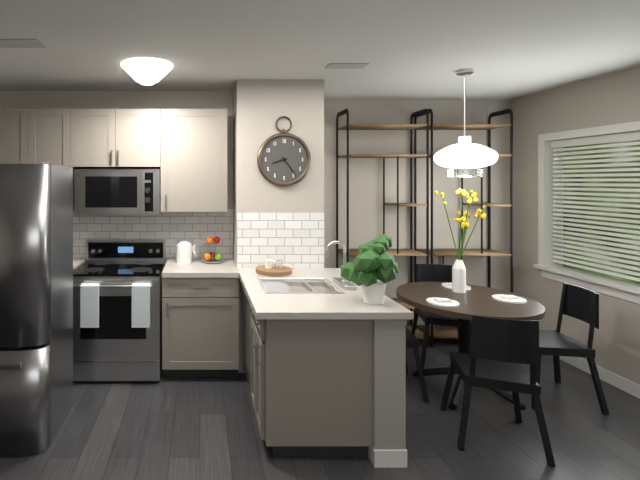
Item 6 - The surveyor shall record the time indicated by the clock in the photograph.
8:24
